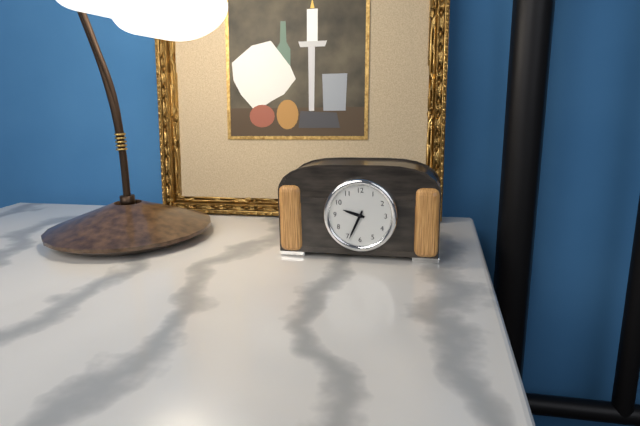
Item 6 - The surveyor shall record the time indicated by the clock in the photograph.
9:34
